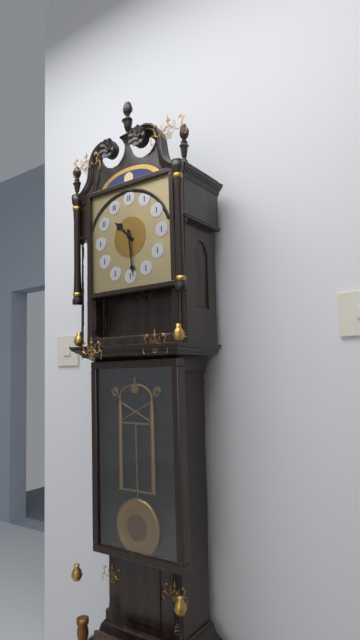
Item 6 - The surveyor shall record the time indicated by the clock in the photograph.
10:29
